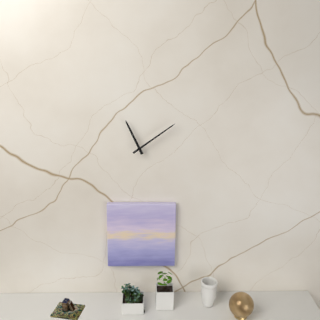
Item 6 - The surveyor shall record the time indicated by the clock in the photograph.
11:09
